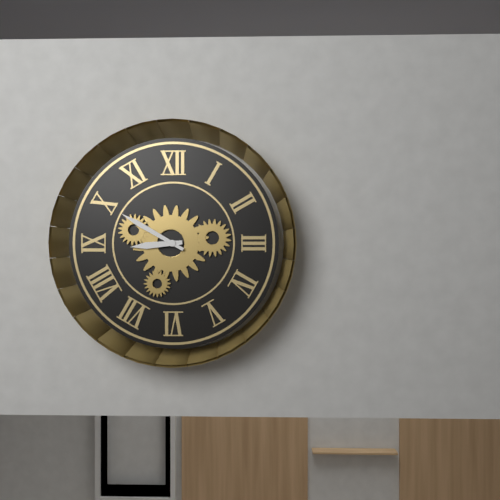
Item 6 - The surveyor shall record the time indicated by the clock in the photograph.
8:50
